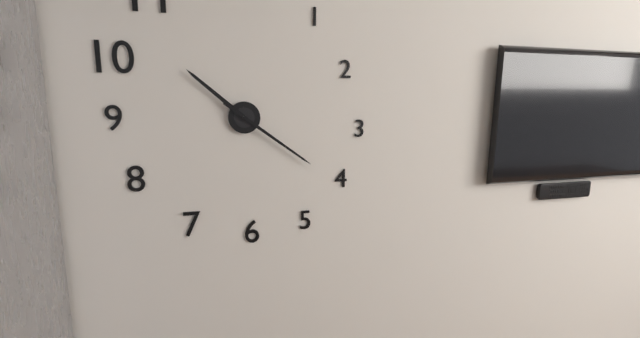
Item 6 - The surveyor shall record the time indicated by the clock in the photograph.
10:21
